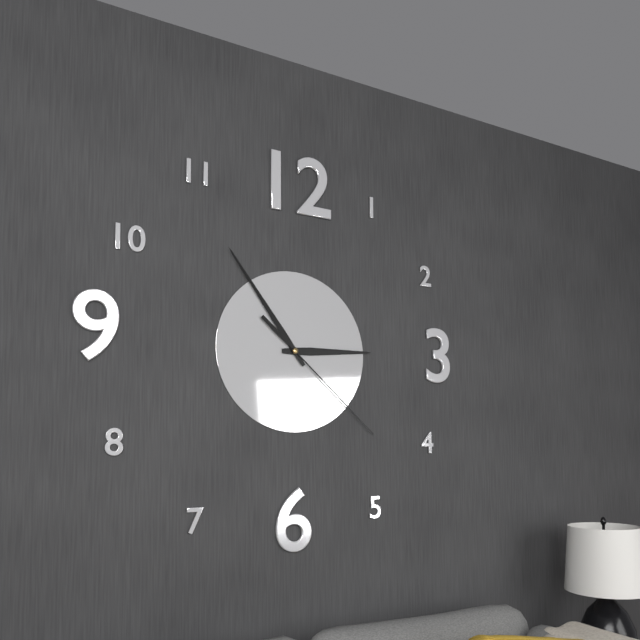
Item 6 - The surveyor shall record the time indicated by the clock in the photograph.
2:54:22
